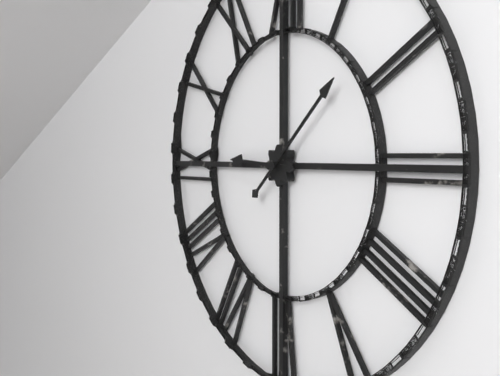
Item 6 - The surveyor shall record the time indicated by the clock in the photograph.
9:08
